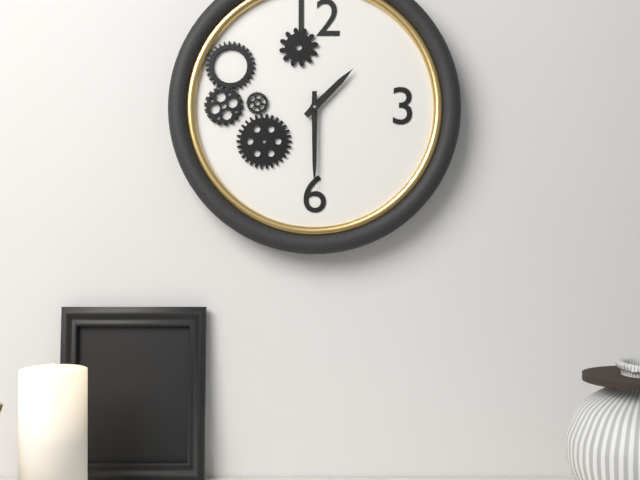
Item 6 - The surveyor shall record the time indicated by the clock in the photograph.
1:30
